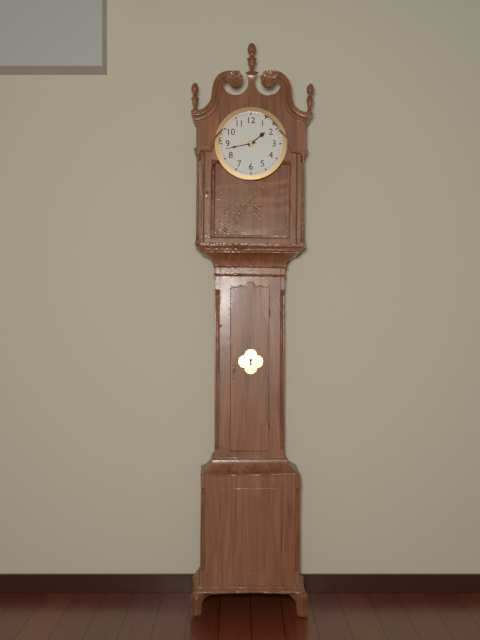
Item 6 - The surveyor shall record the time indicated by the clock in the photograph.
1:43
